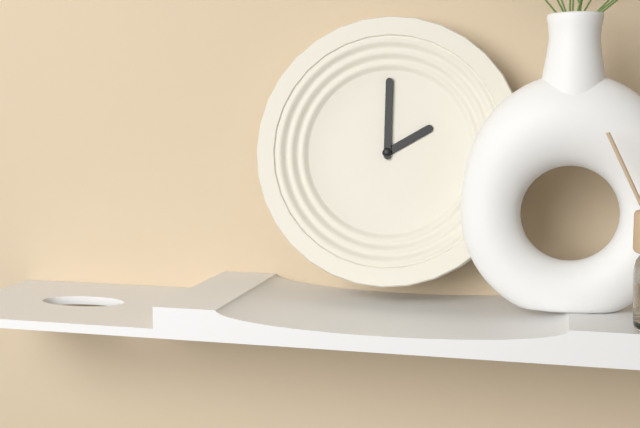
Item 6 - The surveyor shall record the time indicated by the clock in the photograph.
2:00
